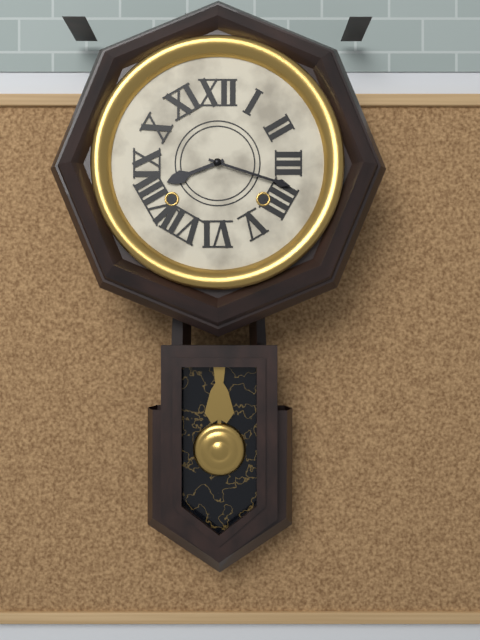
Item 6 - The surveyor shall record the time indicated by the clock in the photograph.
8:18
